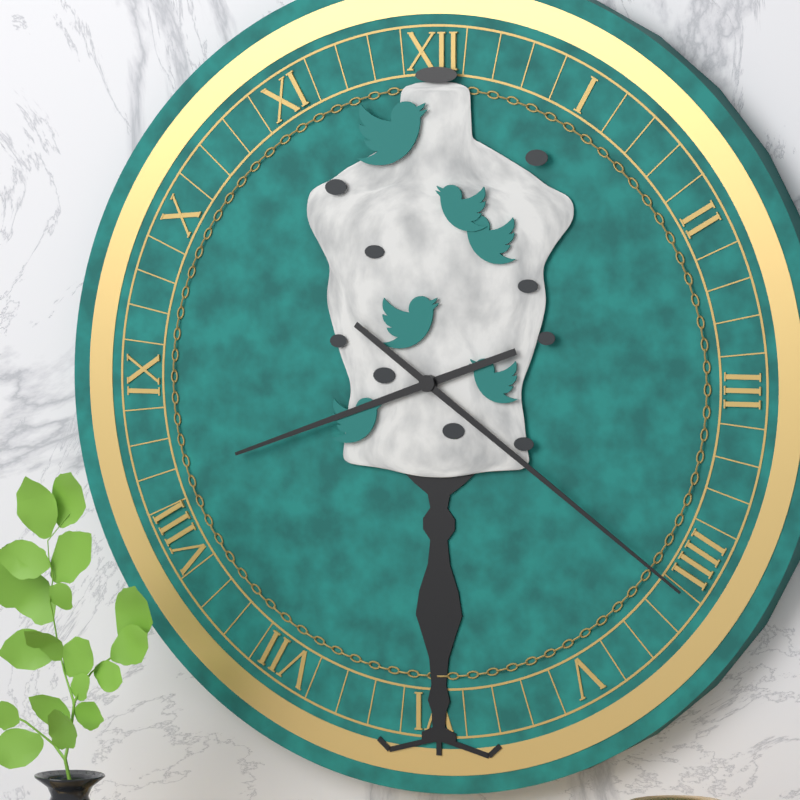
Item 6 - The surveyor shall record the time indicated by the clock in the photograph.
8:21
